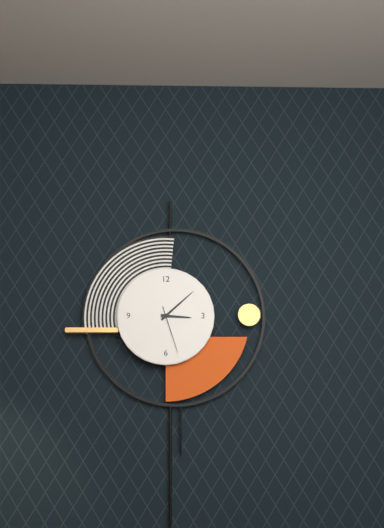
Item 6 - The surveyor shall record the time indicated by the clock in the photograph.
3:08:27
